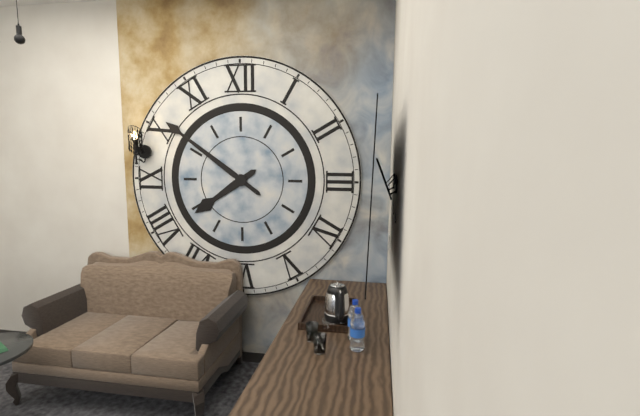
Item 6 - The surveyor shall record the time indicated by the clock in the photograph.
7:51
